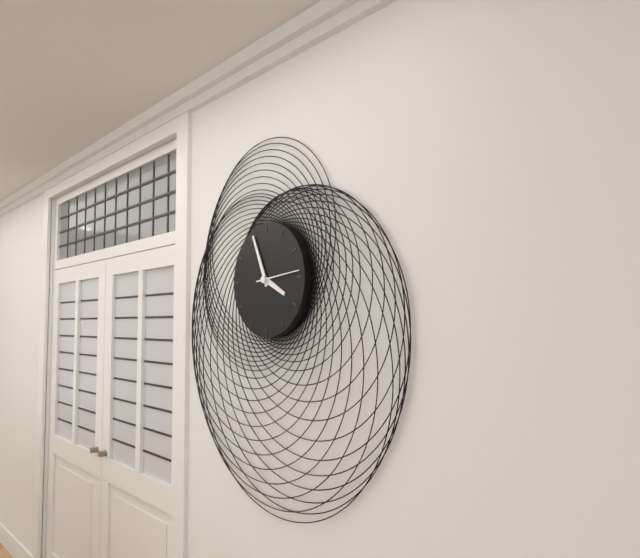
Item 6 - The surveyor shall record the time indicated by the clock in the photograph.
3:56
